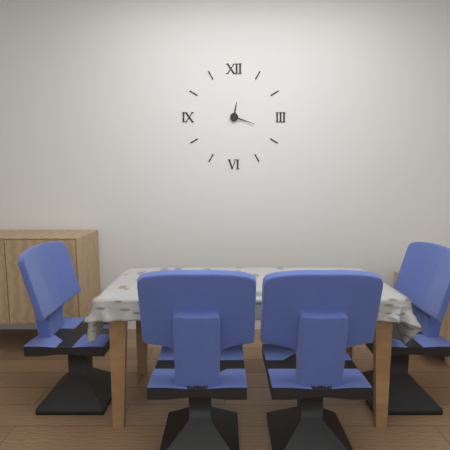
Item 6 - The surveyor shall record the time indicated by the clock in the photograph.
12:18
